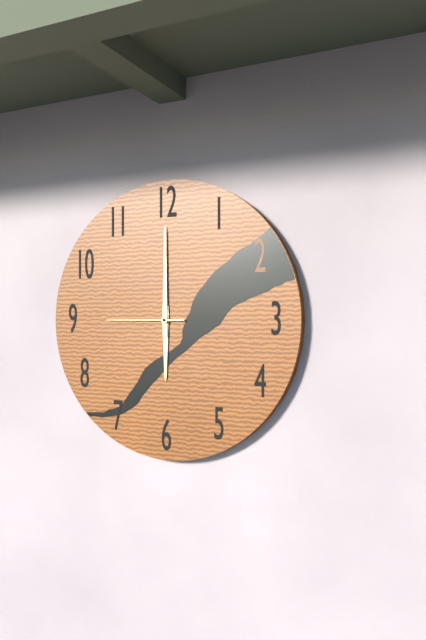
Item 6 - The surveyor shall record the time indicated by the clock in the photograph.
6:00:45
